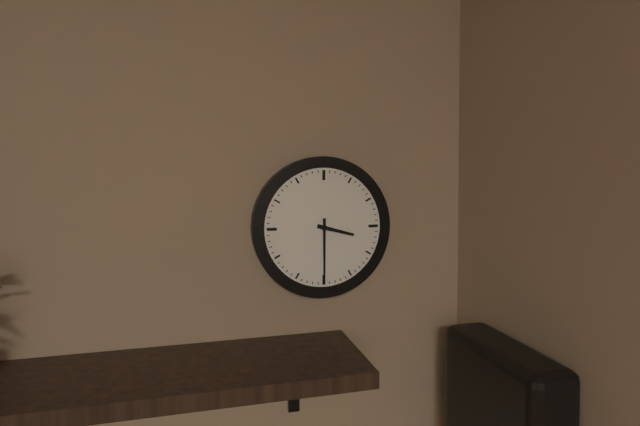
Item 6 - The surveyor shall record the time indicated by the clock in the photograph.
3:30
